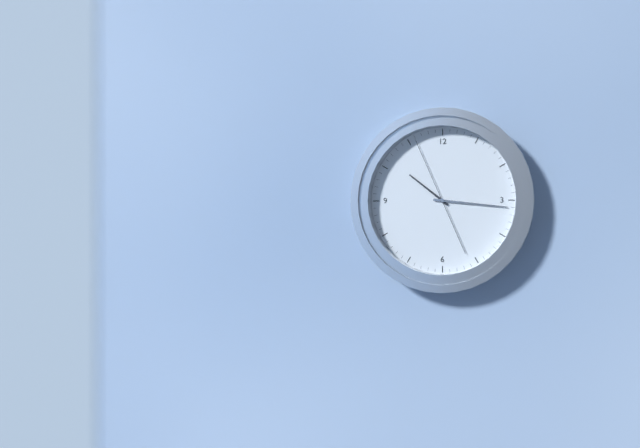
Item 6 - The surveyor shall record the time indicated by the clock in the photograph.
10:16:56
